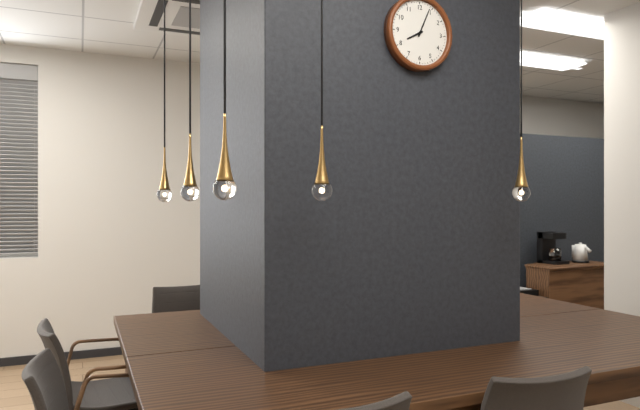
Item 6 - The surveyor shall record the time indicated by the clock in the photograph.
8:04
